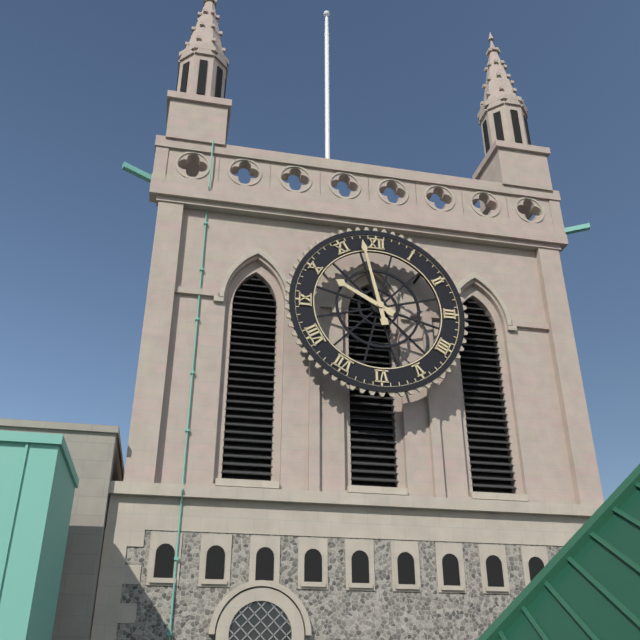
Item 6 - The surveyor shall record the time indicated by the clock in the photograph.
9:58
